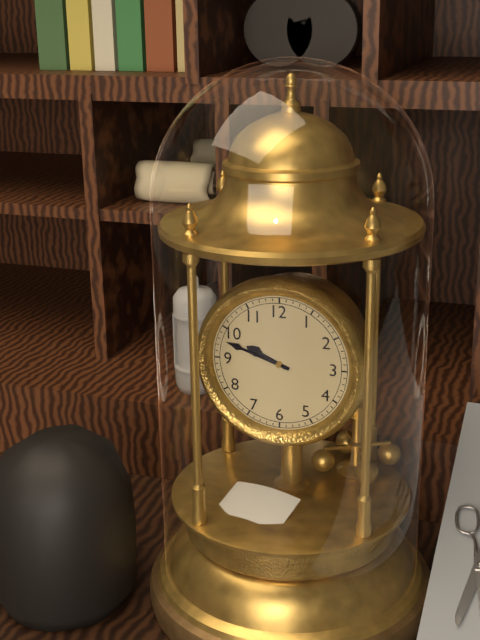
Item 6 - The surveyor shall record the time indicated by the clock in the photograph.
9:48
